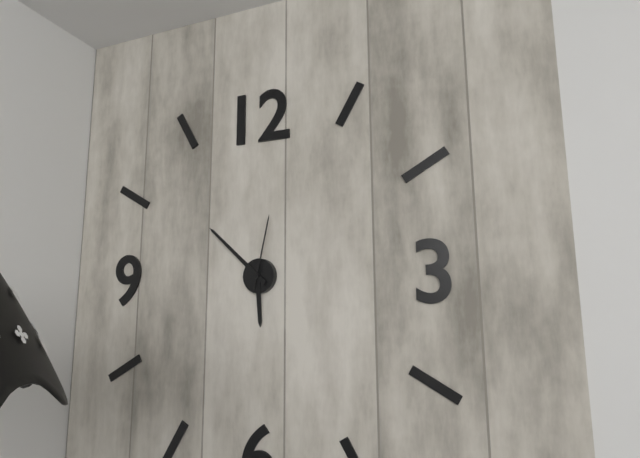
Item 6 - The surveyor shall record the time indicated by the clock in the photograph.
5:52:02
